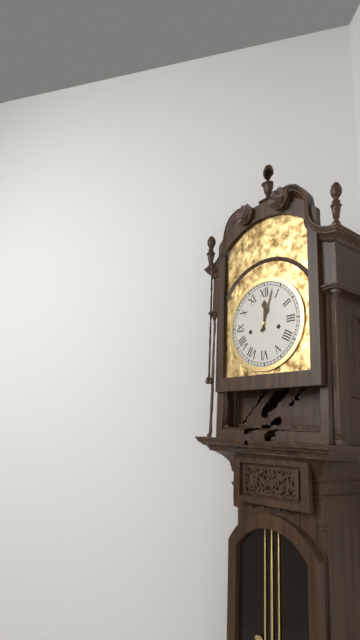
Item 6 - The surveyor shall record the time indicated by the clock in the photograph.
12:03
